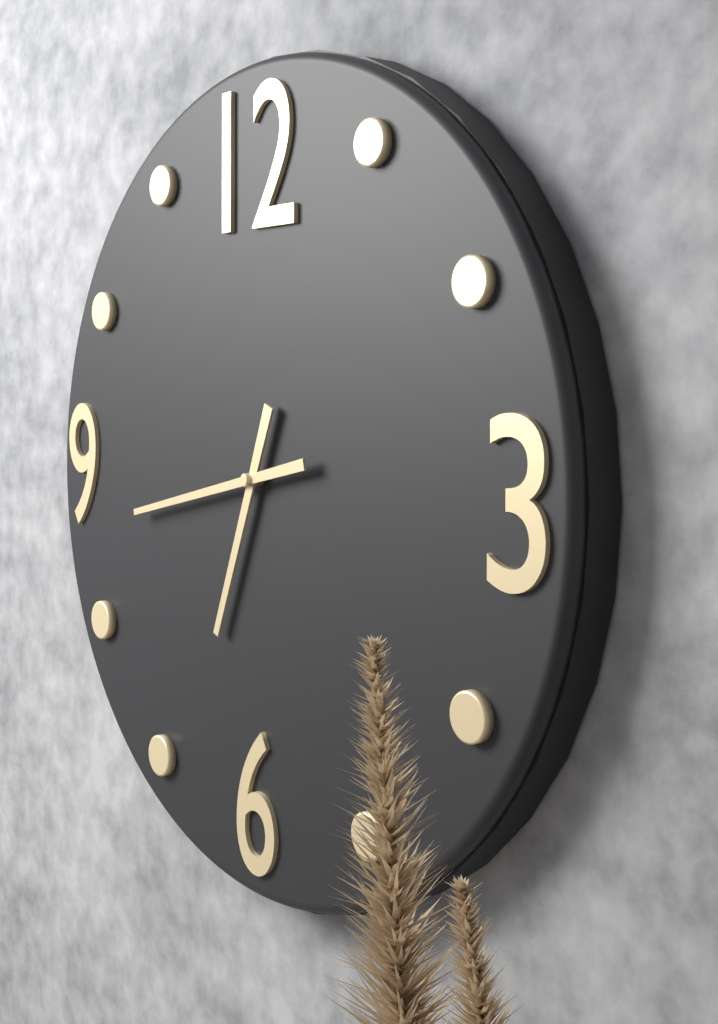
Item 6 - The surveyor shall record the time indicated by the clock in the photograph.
6:43
